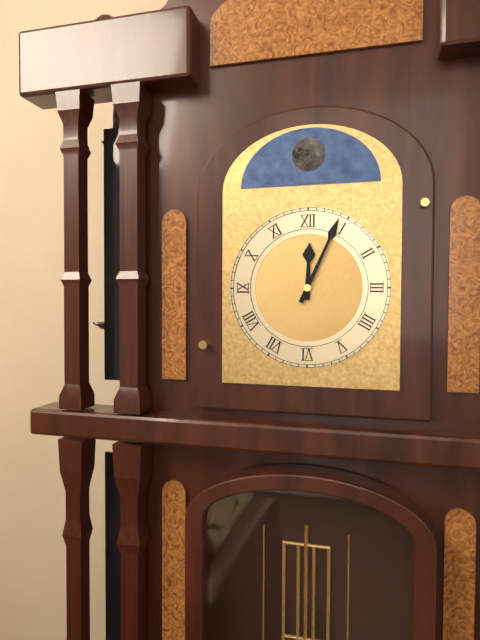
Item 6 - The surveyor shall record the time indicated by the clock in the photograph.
12:04
